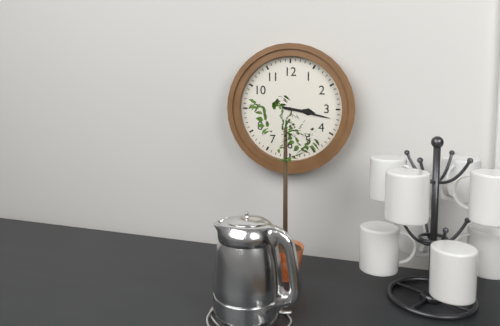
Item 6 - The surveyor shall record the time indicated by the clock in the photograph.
3:17
